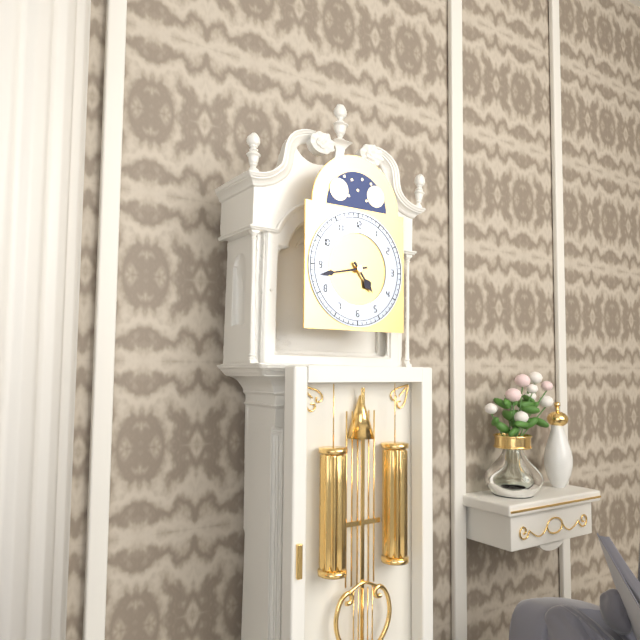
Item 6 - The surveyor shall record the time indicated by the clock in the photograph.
4:43
